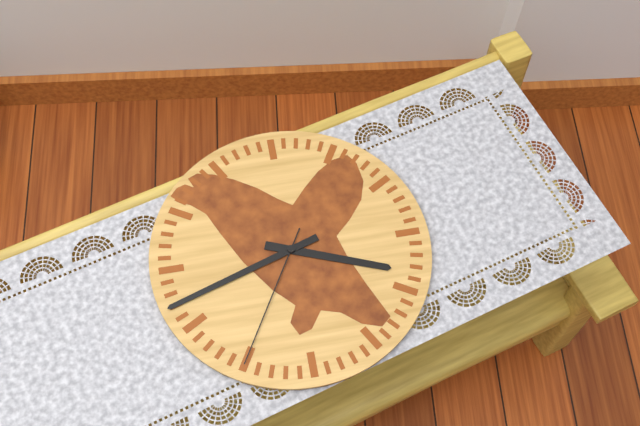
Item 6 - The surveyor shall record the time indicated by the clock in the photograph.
3:42:35
